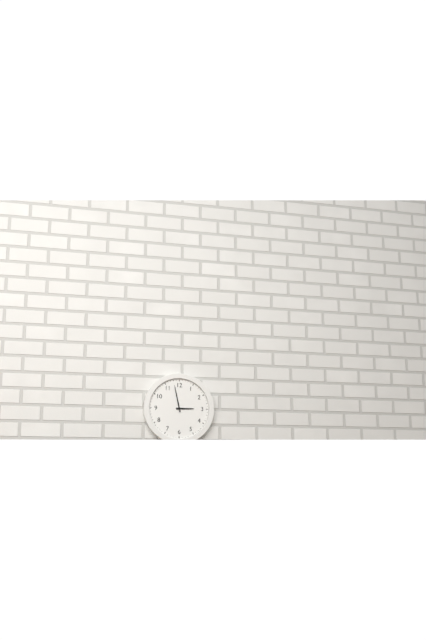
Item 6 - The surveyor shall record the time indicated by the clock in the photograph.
2:58
